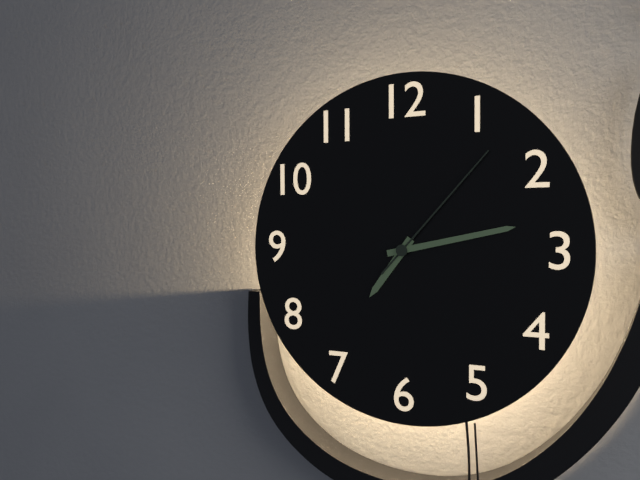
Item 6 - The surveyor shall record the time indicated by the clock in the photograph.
7:13:07
